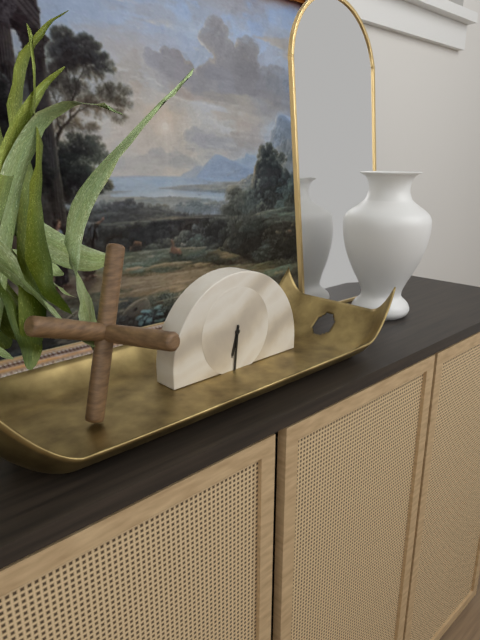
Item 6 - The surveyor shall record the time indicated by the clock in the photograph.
6:31
